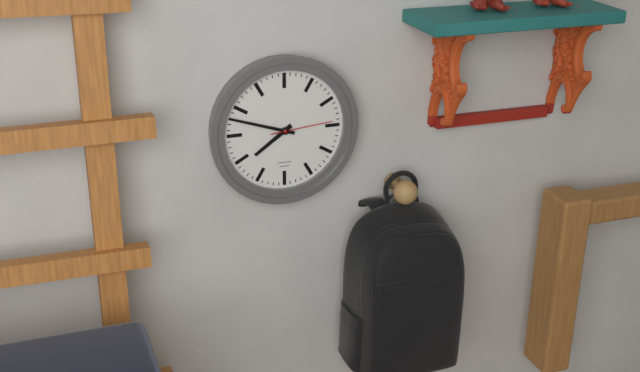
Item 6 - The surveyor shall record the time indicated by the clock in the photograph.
7:48:14
